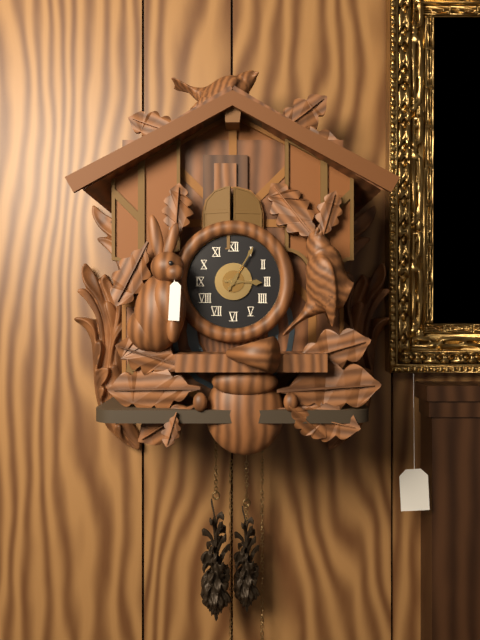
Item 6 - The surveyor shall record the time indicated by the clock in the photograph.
3:05
